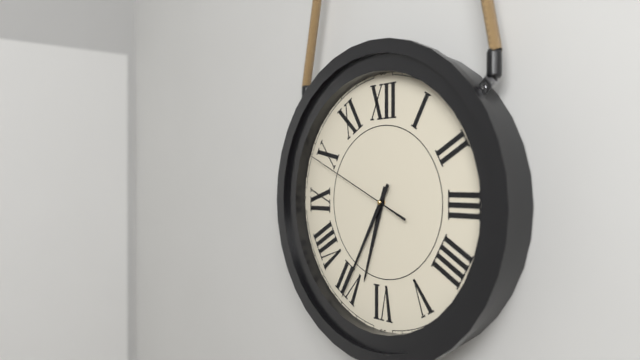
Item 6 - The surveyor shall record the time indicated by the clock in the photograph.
6:35:49
